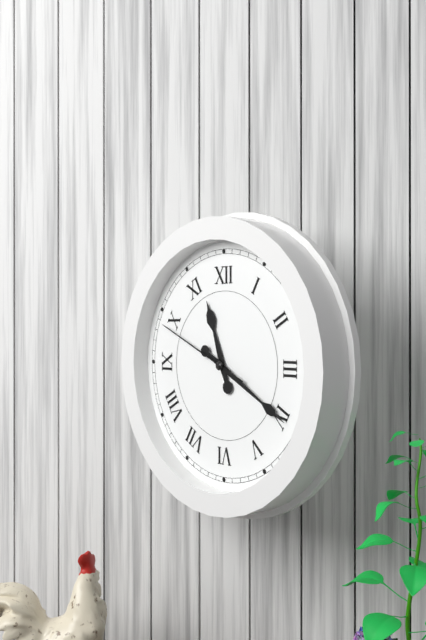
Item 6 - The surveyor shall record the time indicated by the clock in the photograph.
11:20:49
